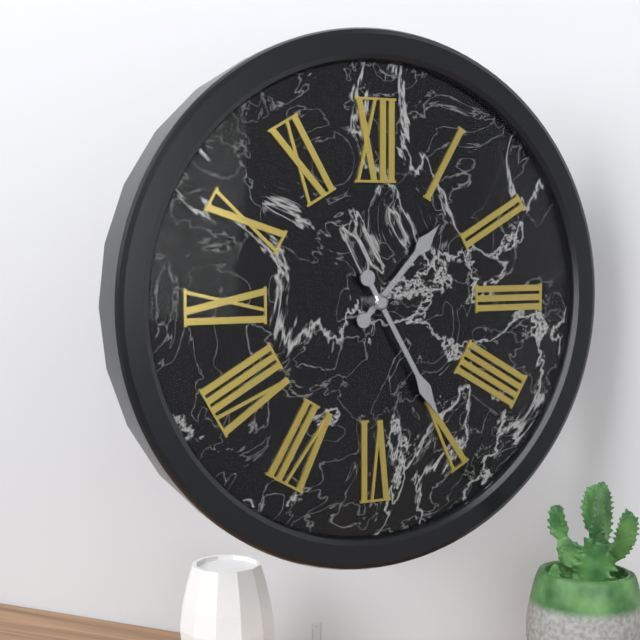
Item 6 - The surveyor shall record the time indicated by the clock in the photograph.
1:25
